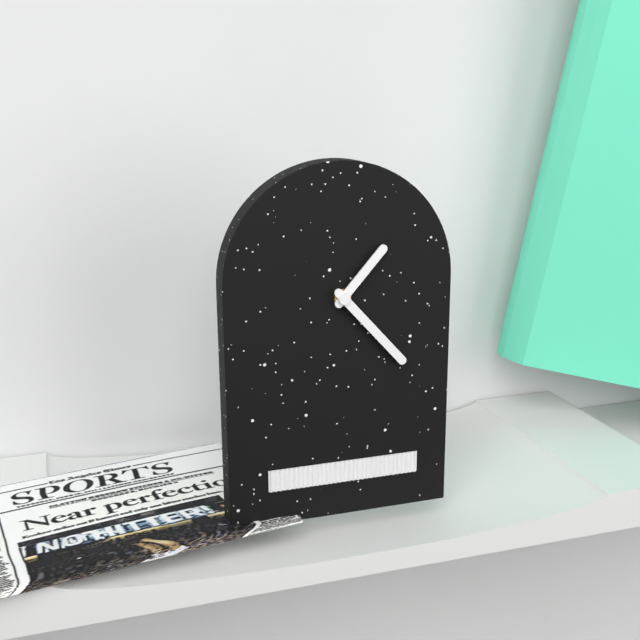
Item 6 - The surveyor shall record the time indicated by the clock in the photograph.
1:23
